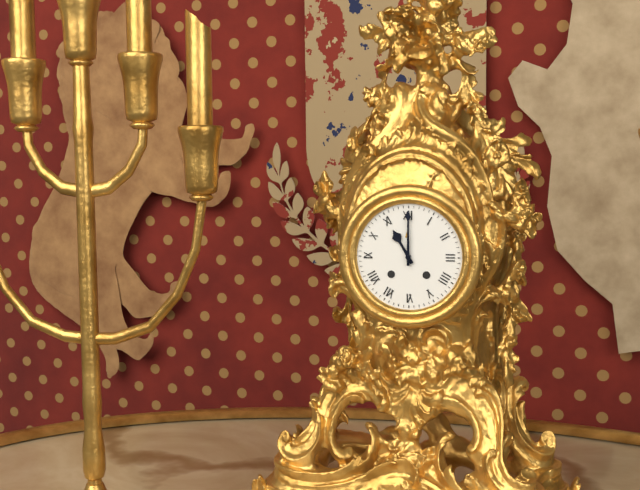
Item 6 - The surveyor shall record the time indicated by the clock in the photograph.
11:00
